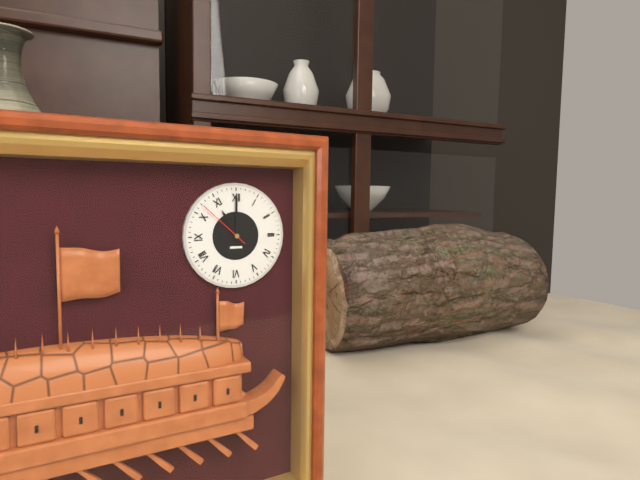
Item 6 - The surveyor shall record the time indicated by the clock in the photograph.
11:00:52
